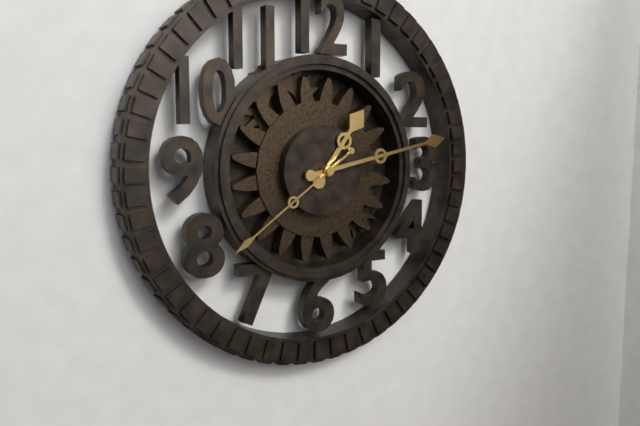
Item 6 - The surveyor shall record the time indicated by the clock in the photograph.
1:13:39
